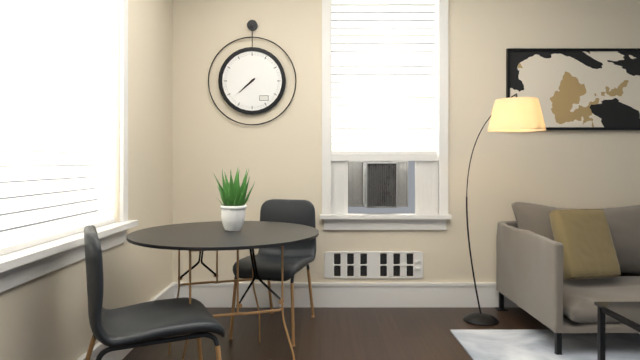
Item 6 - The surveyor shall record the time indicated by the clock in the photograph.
7:38
